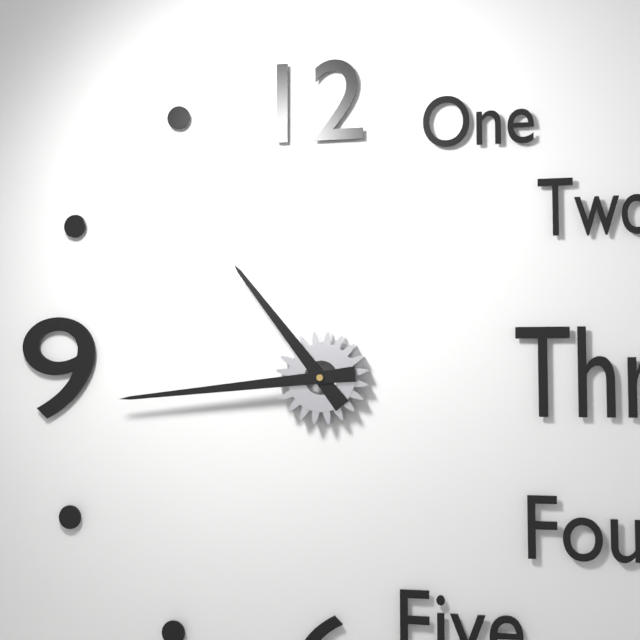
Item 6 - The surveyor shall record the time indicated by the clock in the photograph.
10:44
